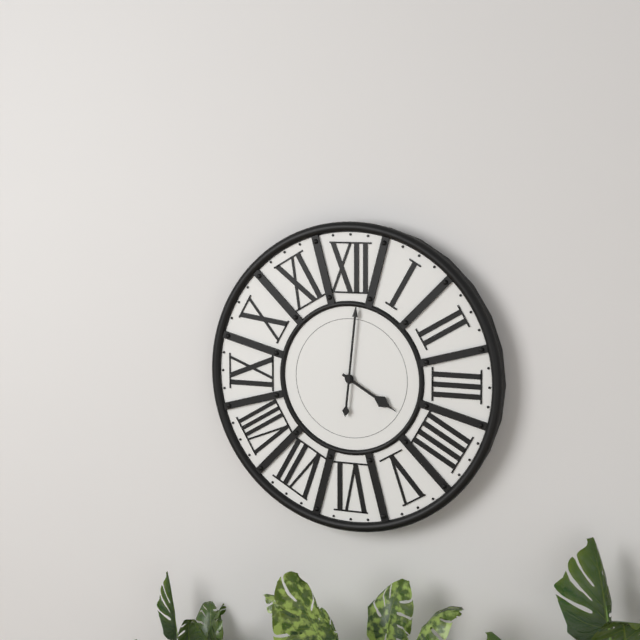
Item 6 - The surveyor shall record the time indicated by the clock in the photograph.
4:01
